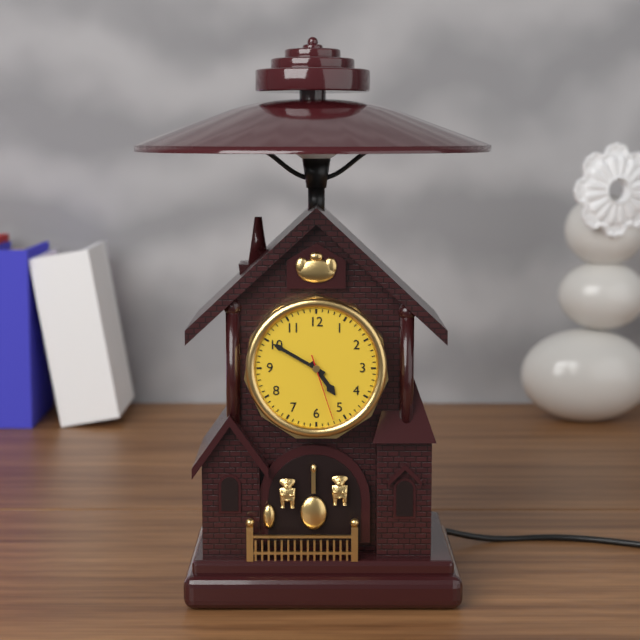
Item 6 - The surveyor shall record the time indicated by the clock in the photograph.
4:50:27
